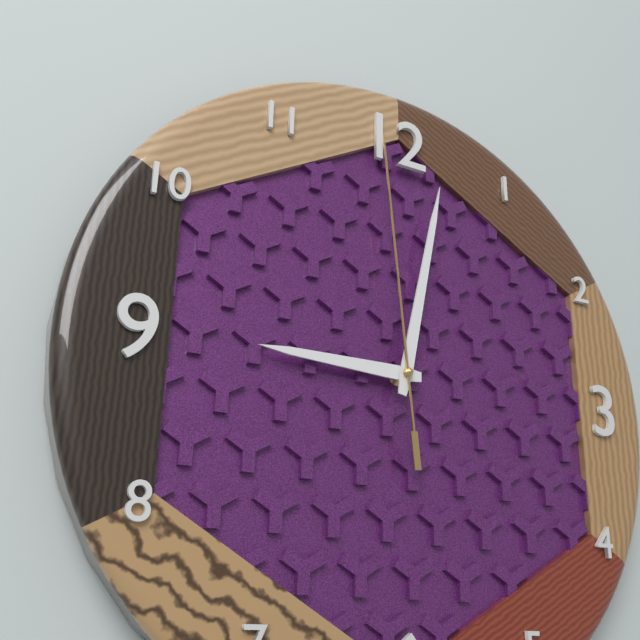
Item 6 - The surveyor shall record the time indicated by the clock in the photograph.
9:02:59
